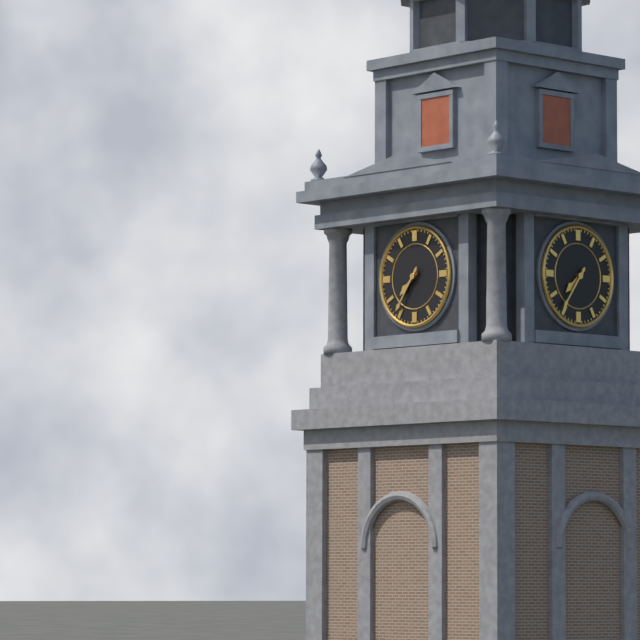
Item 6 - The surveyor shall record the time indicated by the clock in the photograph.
7:36
